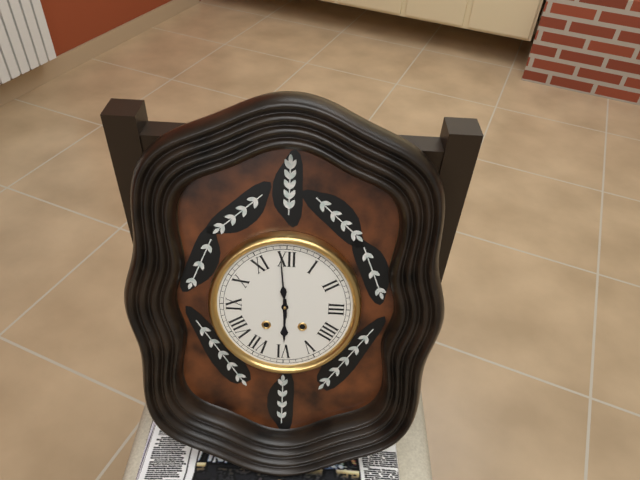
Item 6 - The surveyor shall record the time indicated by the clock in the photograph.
5:59
